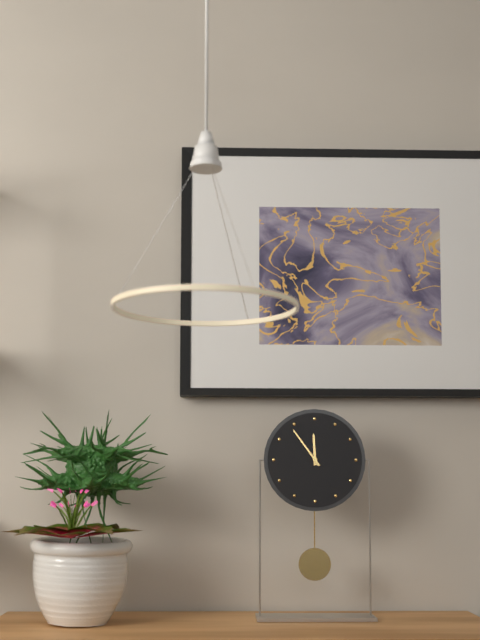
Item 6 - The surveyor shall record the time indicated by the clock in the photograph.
11:54
